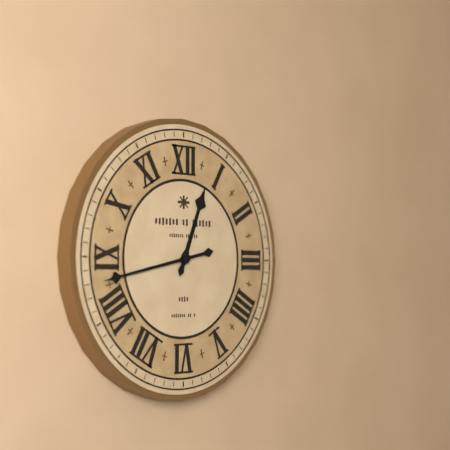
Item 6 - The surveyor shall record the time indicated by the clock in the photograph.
12:43
